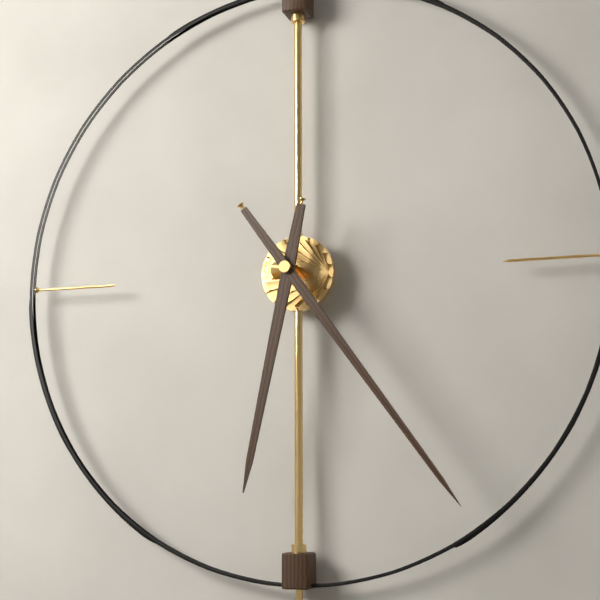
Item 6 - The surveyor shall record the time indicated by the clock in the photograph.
6:24
